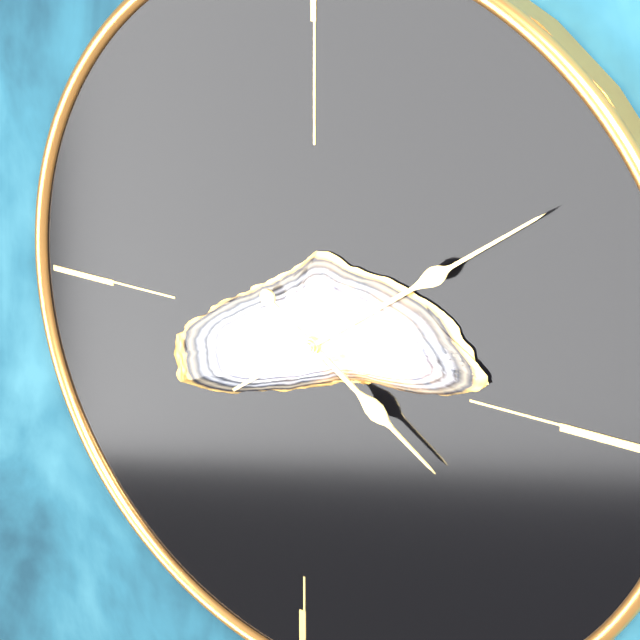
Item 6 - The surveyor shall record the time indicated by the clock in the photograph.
4:09
